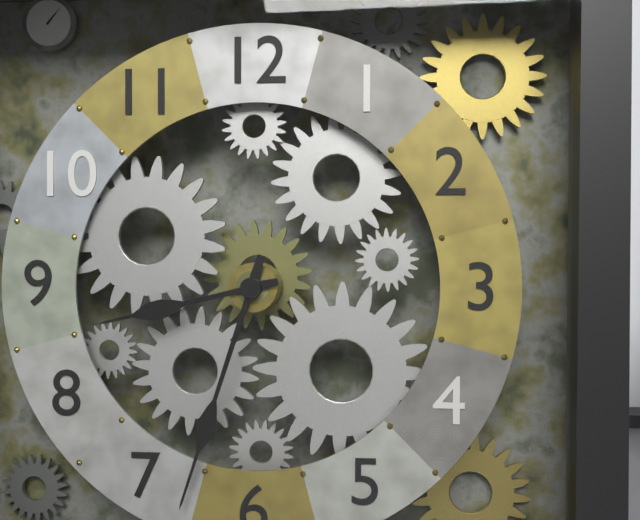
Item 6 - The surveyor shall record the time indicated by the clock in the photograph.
8:33
